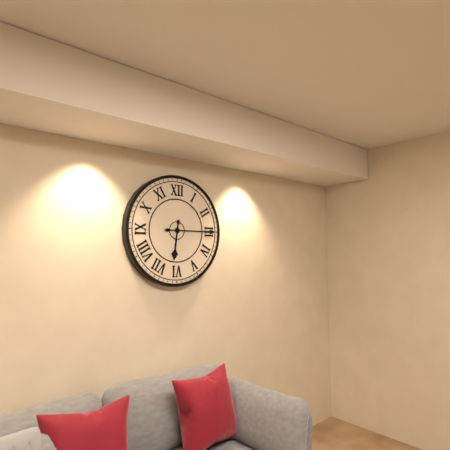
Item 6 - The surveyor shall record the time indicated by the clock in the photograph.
6:15
